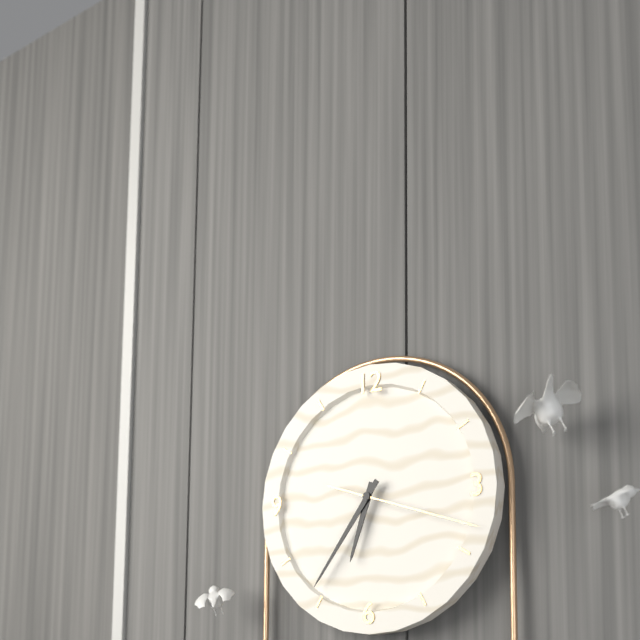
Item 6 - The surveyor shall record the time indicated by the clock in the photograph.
6:36:18
